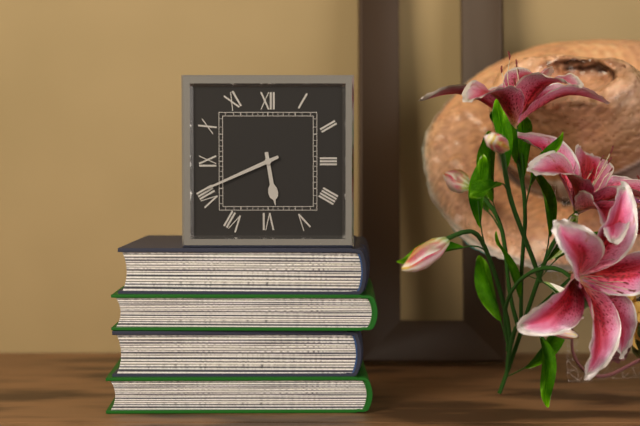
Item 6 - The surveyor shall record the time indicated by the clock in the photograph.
5:41
